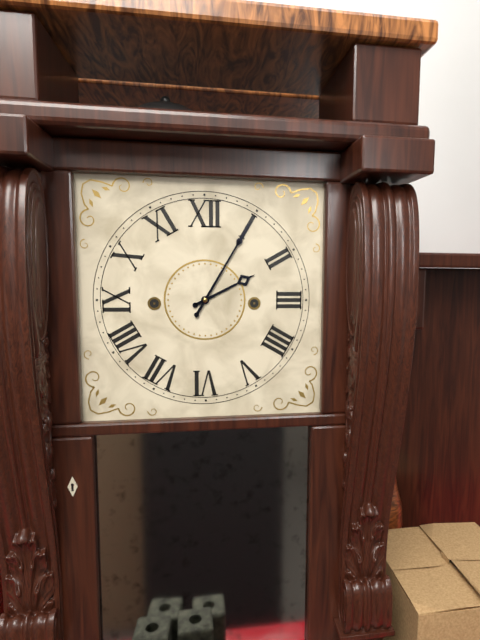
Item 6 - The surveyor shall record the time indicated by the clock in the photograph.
2:05
